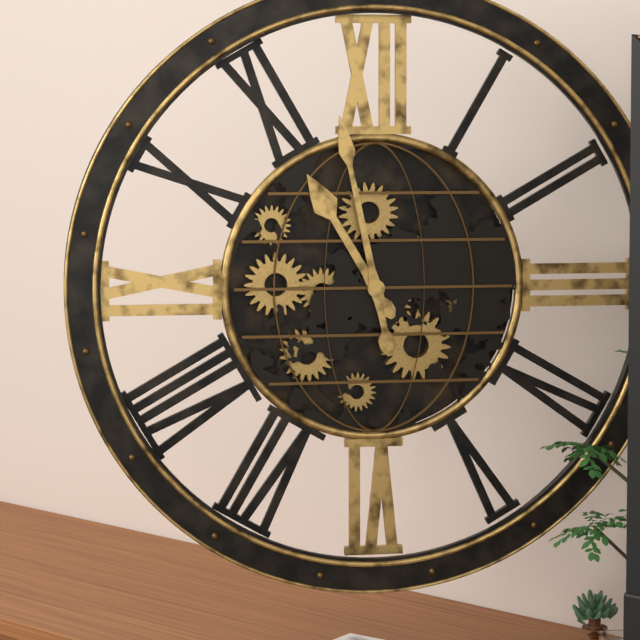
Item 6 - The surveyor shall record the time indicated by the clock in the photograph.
10:58
